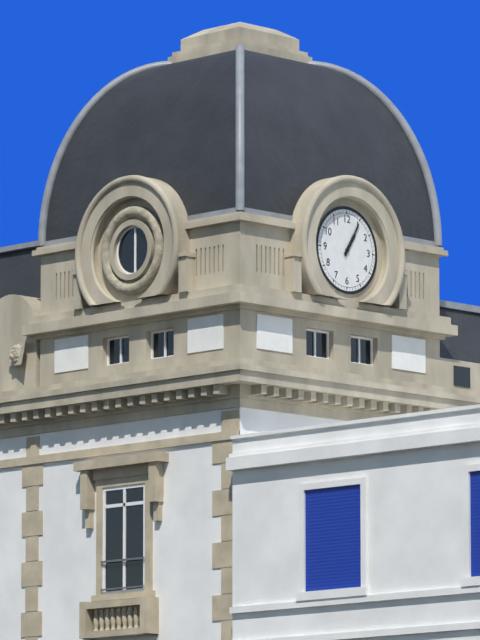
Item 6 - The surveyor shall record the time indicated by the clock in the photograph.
1:05
